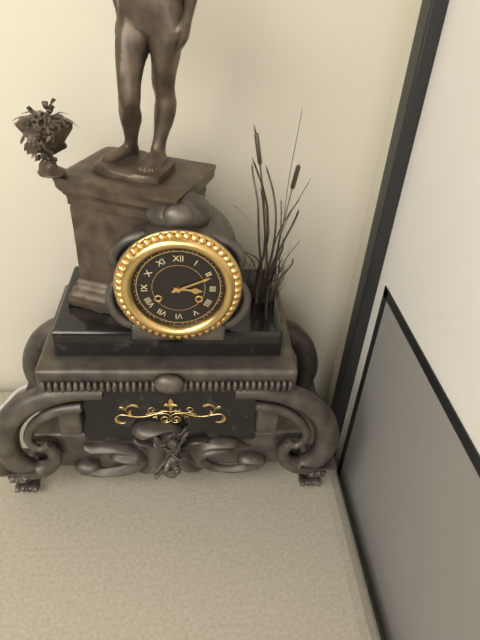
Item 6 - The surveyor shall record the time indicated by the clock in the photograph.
3:11
